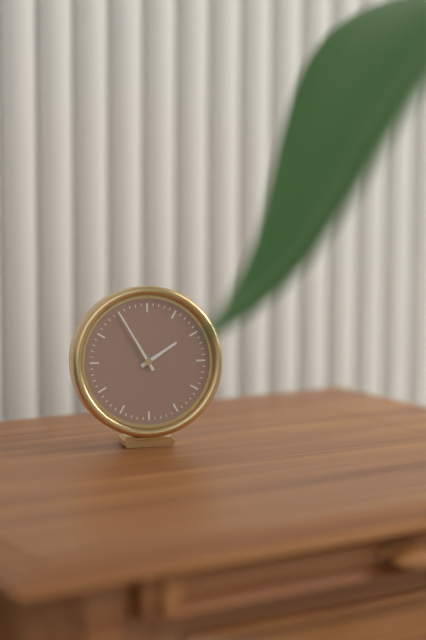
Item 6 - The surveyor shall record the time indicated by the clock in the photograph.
1:55
